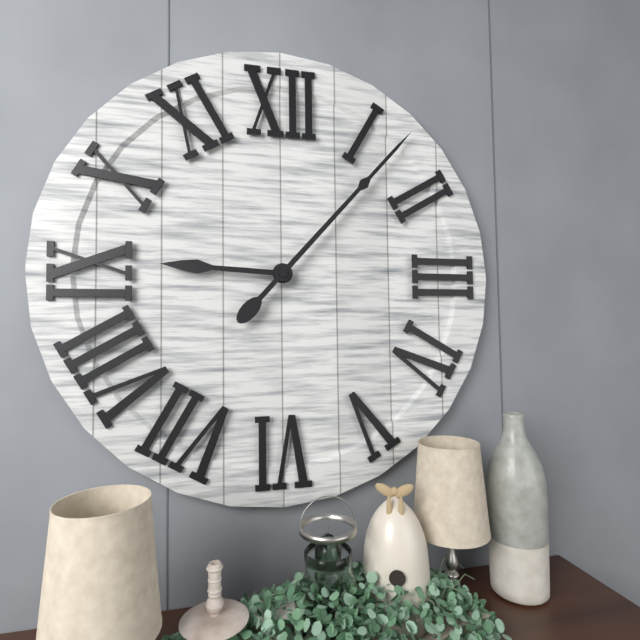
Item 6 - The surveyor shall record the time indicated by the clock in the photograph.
9:07
